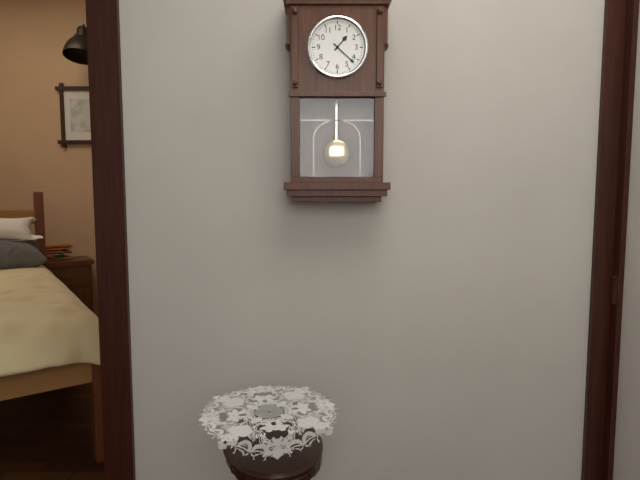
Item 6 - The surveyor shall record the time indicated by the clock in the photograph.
1:22
